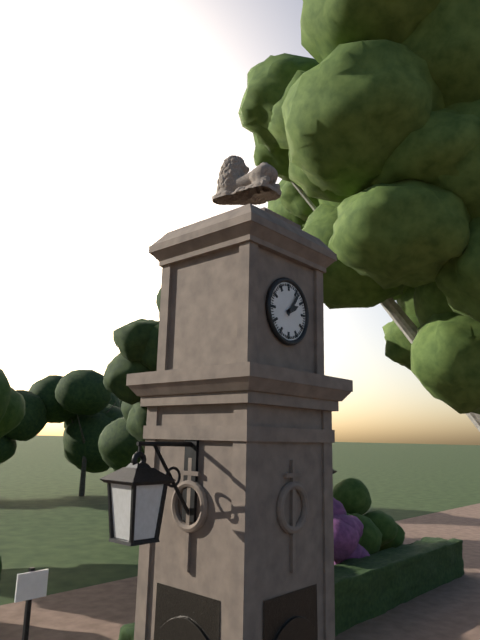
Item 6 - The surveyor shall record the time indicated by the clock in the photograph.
2:06
